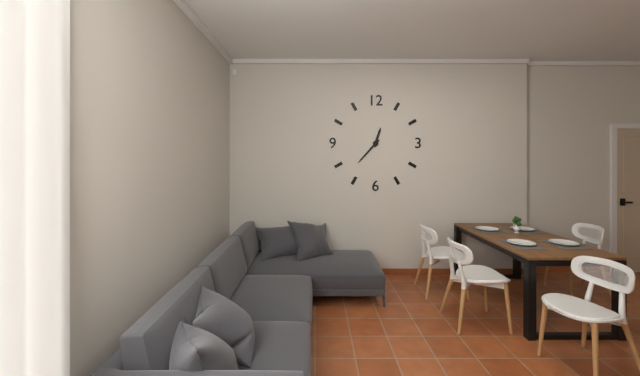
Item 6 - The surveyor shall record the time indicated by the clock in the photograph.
12:37
